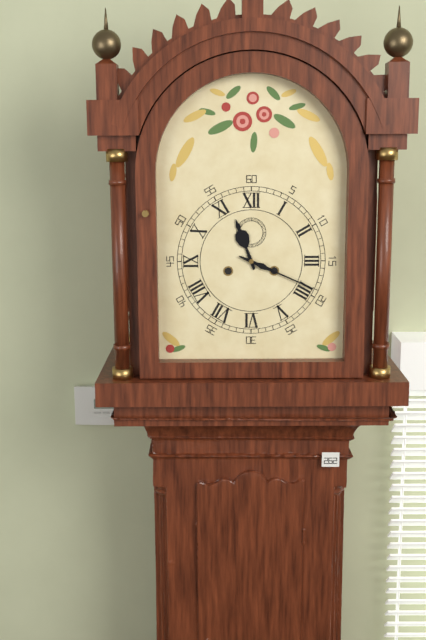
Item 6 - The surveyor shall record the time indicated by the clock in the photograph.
11:19
